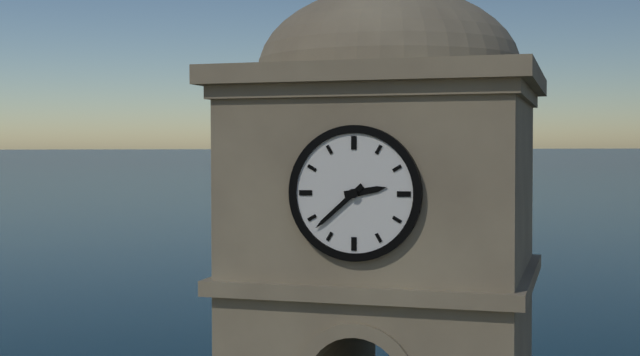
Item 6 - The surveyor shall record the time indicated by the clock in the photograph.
2:38
